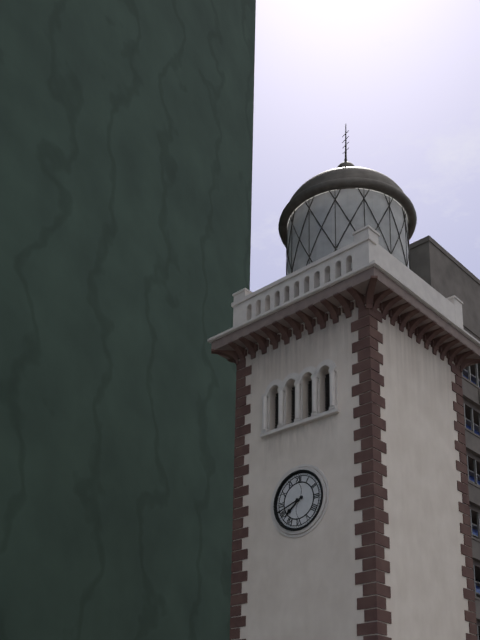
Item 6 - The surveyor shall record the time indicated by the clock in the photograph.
7:42
